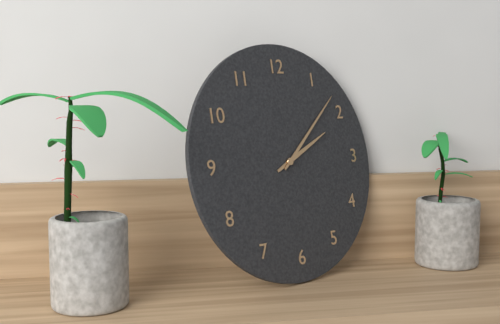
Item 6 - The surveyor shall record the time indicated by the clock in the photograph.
2:08
